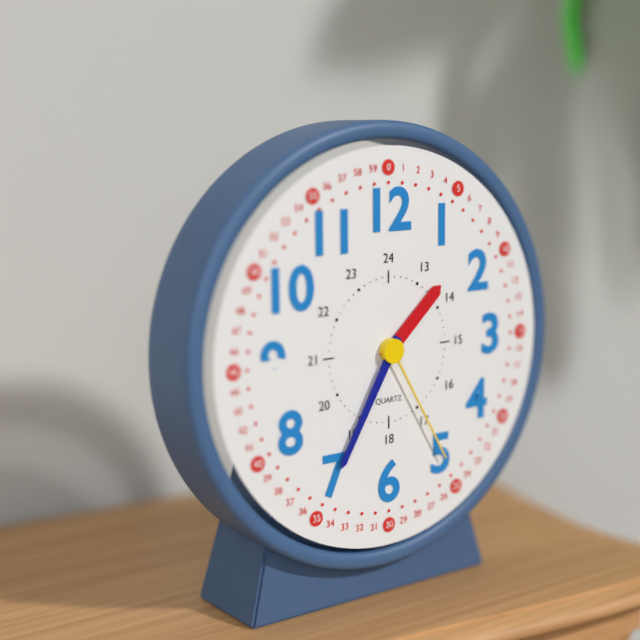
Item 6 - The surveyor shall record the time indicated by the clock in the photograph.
1:35:25
